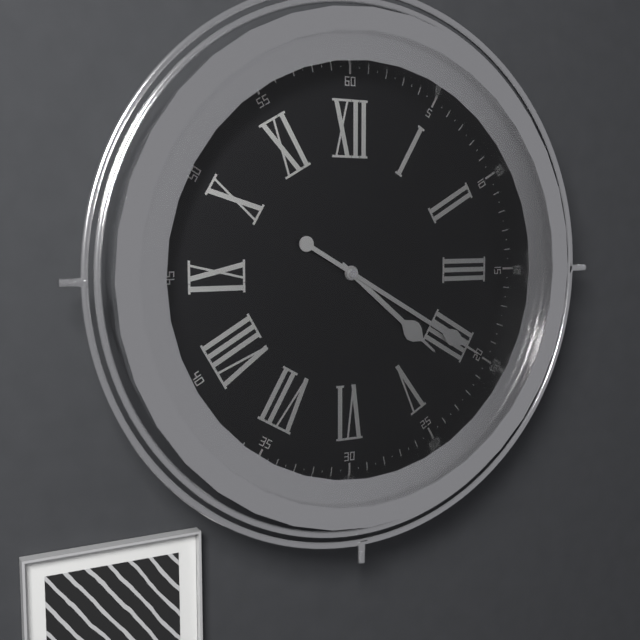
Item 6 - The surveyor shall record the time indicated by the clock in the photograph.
4:20
